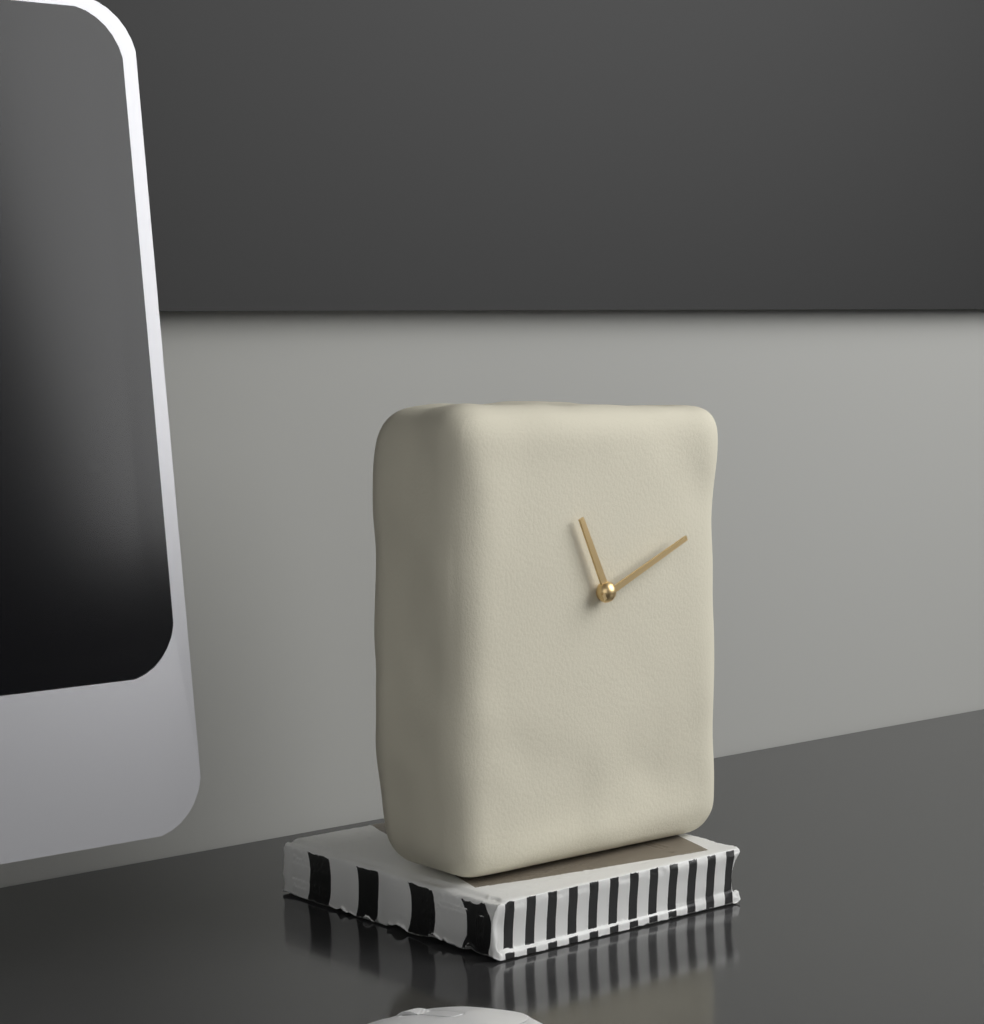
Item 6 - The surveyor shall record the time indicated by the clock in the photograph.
11:11
